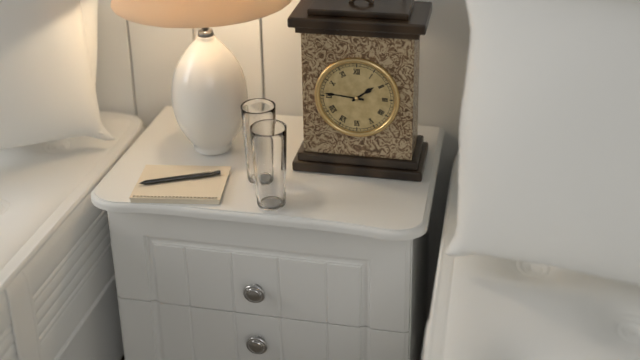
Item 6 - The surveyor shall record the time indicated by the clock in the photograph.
1:46
